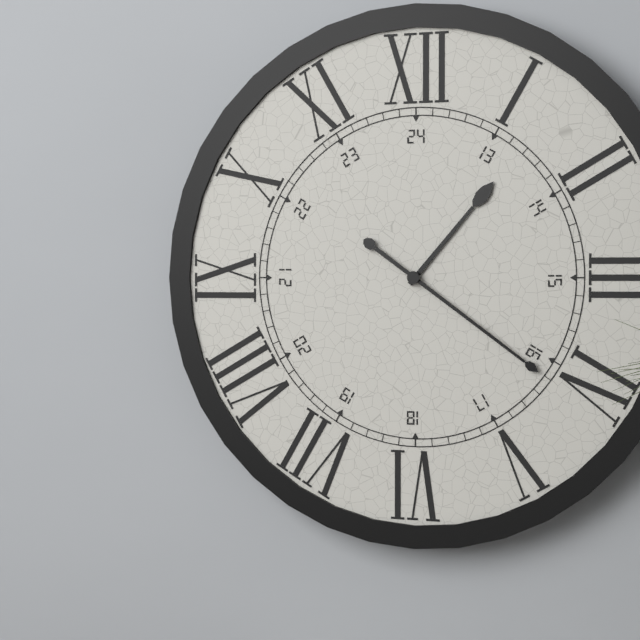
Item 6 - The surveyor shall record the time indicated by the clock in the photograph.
1:21
